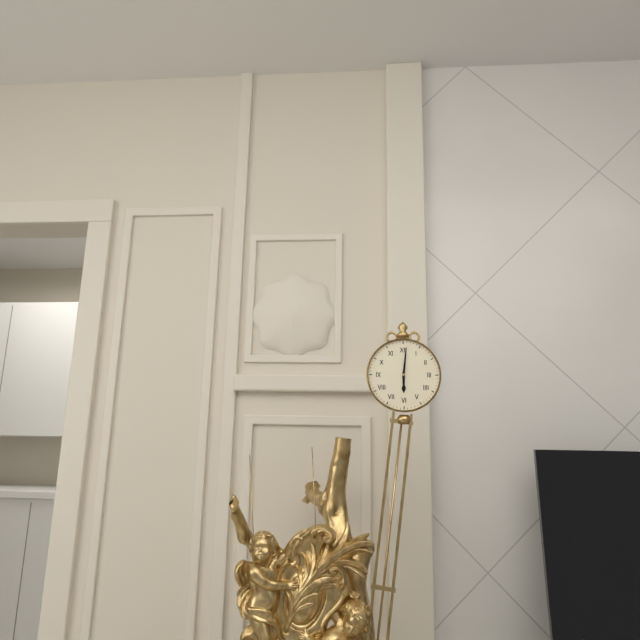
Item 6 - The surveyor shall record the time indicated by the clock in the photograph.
6:01
